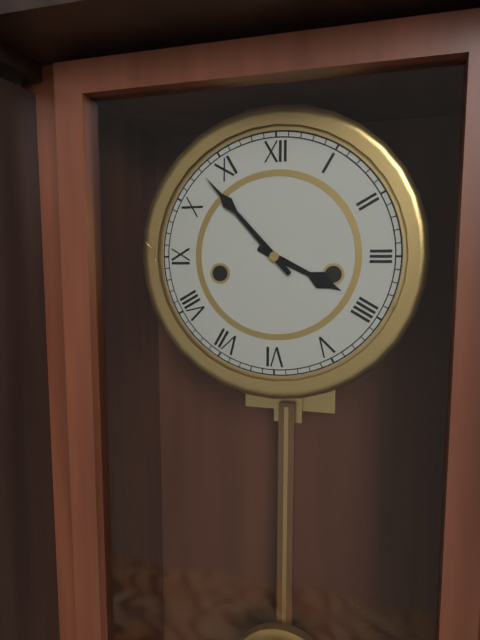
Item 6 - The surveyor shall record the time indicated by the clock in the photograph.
3:53
